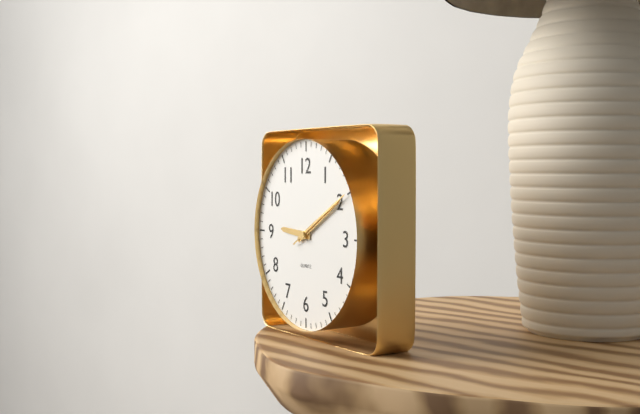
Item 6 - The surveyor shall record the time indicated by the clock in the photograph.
9:10:10
